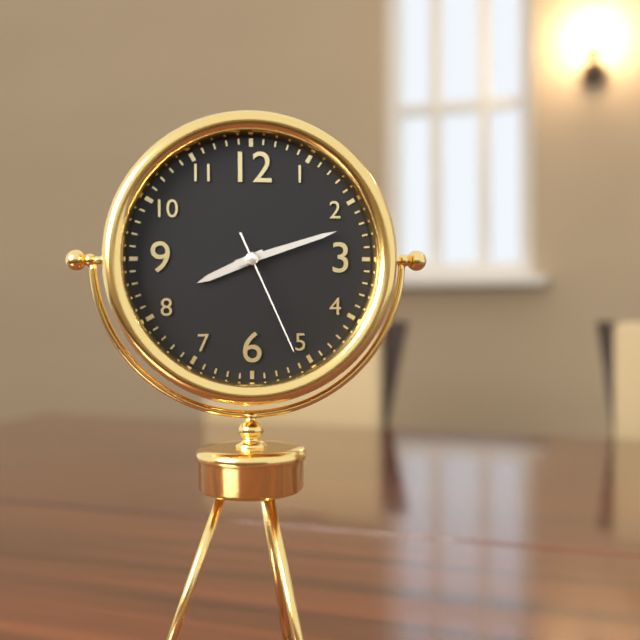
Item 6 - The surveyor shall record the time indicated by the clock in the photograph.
8:12:26
